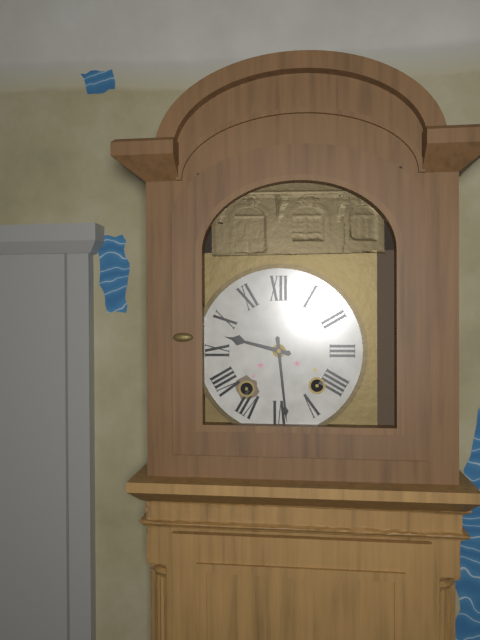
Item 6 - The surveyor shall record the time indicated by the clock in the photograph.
9:29
